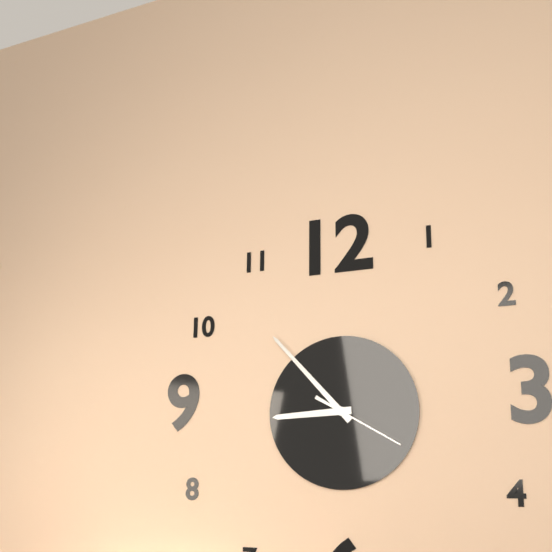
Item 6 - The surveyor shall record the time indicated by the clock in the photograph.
8:53:20
